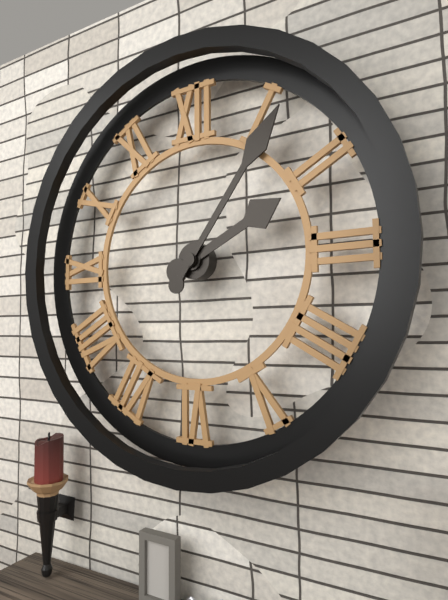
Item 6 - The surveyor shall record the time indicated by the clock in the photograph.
2:06
